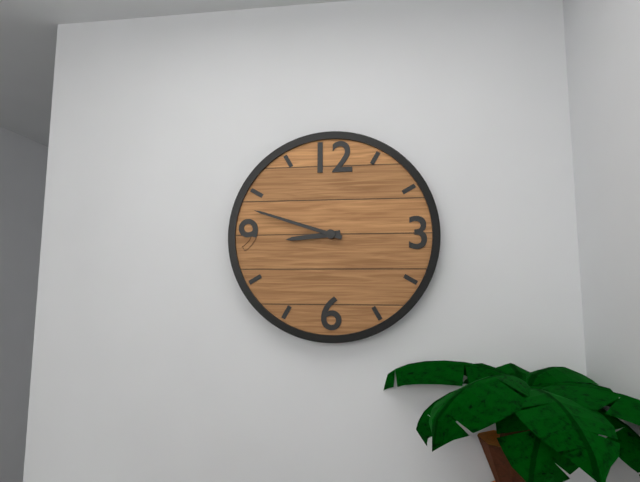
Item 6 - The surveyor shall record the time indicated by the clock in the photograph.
8:48
